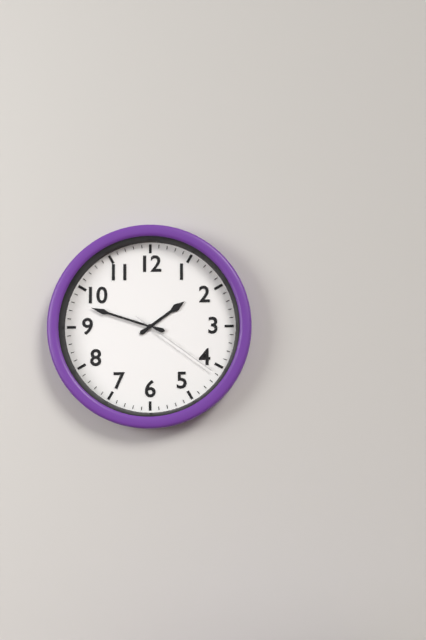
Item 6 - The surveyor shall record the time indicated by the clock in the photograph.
1:48:21
